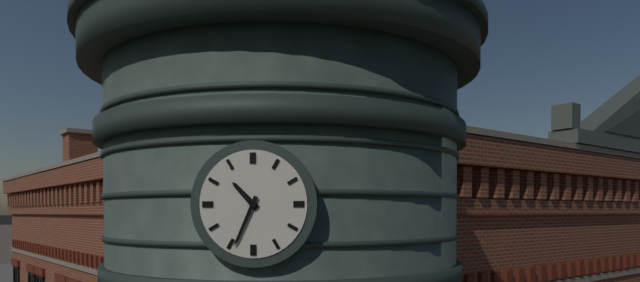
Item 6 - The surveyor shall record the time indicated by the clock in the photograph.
10:34
